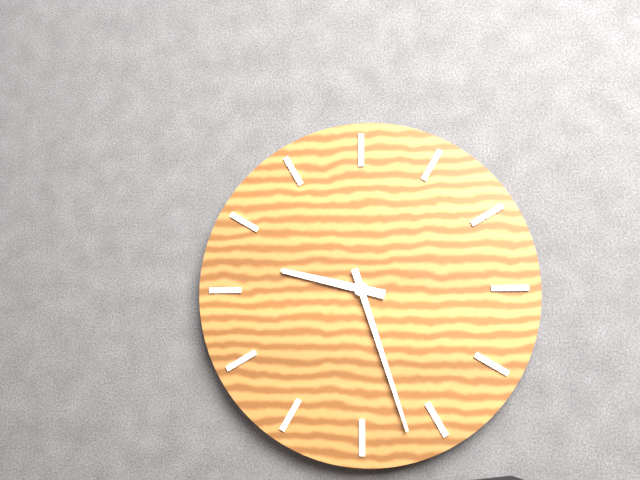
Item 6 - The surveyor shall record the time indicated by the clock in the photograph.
9:27
